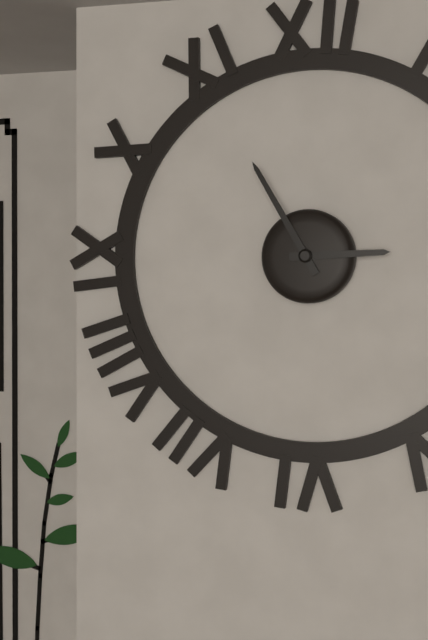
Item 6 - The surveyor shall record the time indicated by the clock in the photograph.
2:55
